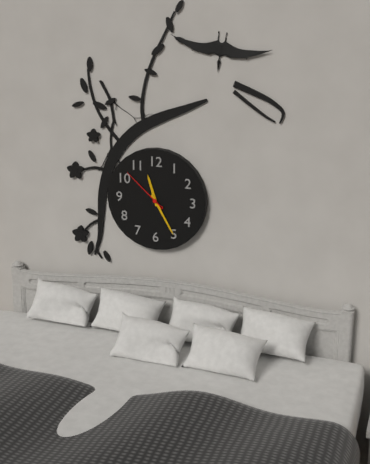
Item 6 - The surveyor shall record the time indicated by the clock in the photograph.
11:25:52
